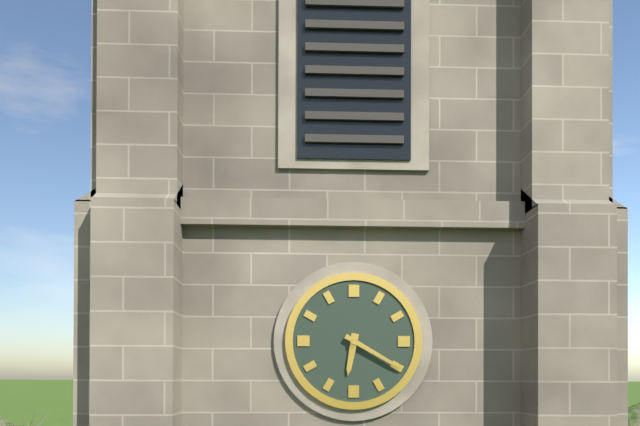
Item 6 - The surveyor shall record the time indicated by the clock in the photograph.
6:20
